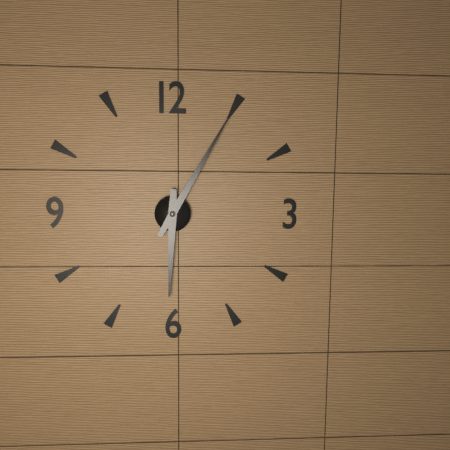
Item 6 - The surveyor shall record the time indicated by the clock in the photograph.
6:05
